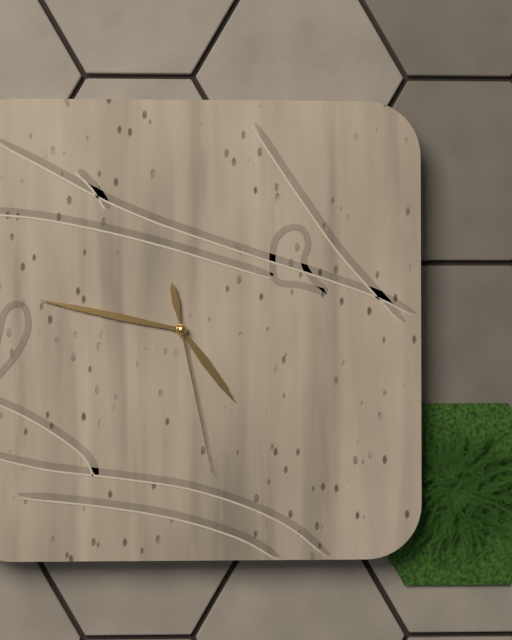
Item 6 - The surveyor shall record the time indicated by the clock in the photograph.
4:47:28
